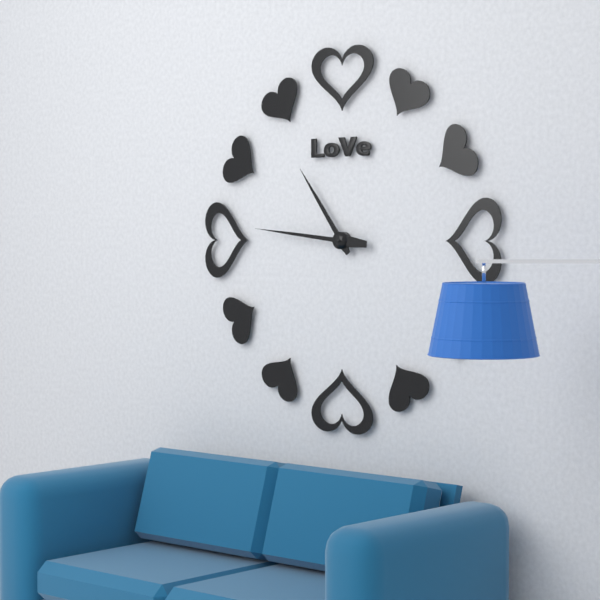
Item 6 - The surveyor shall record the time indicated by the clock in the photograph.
10:46
